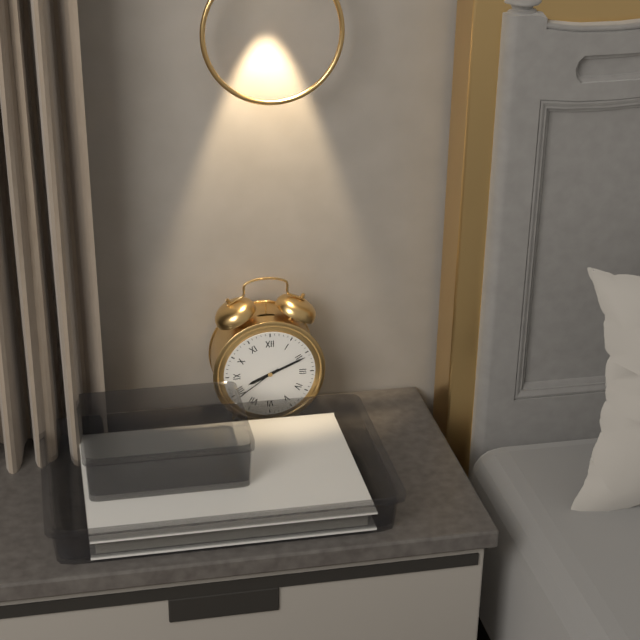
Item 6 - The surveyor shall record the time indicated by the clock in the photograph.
8:11:39
